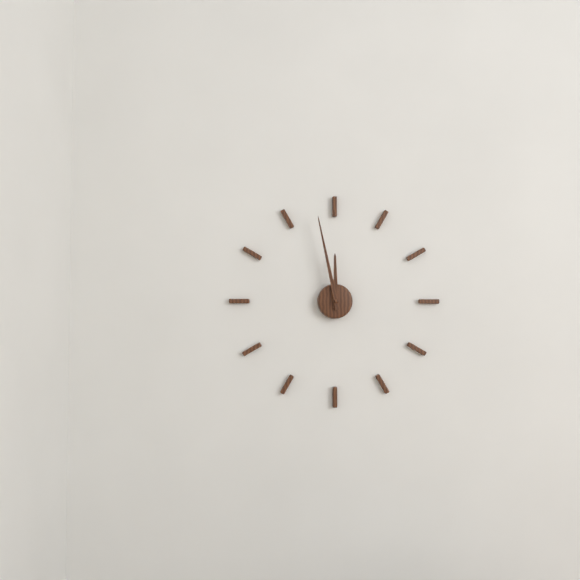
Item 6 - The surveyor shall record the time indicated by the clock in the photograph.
11:58
